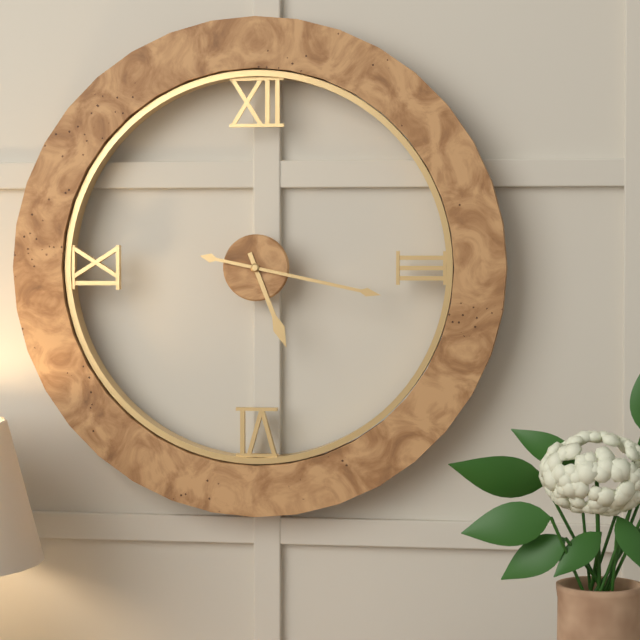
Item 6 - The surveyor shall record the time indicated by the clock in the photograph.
5:17
